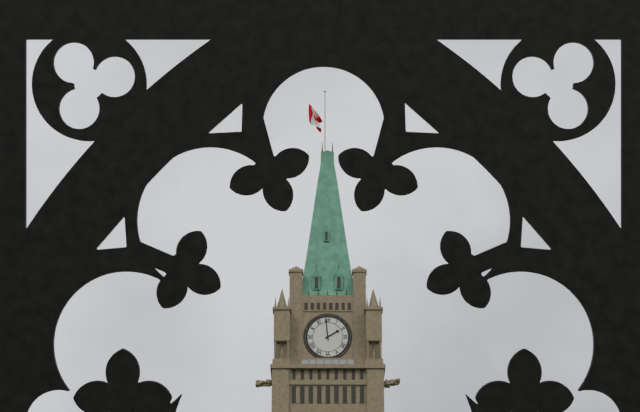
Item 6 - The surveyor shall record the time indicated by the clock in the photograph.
1:59
